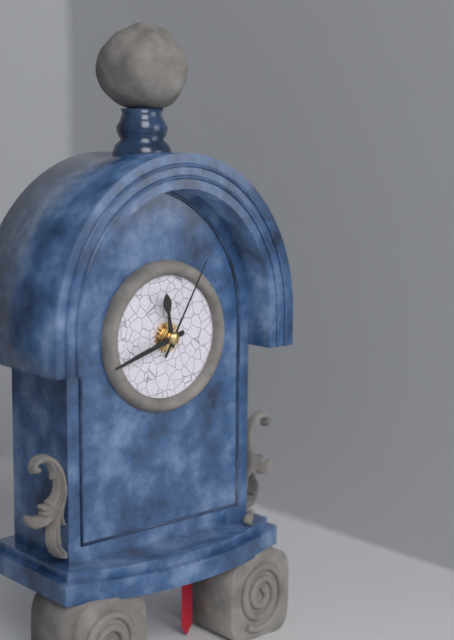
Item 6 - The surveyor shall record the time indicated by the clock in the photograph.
11:42:05
